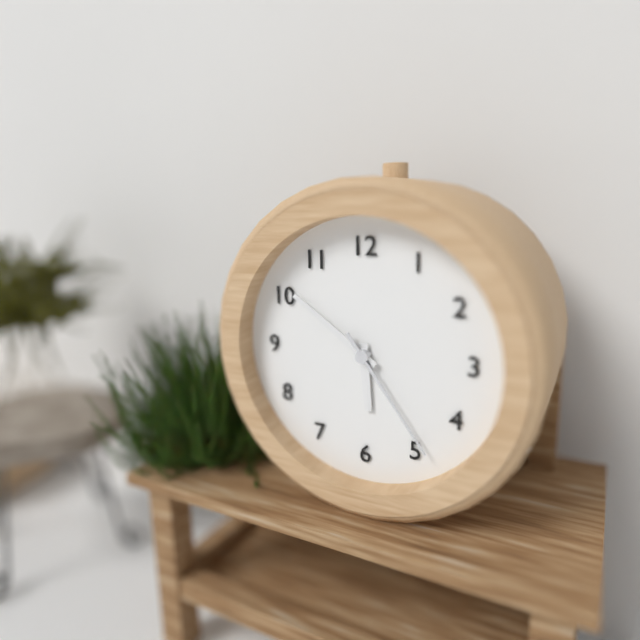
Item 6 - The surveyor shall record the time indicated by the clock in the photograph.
5:51:24
